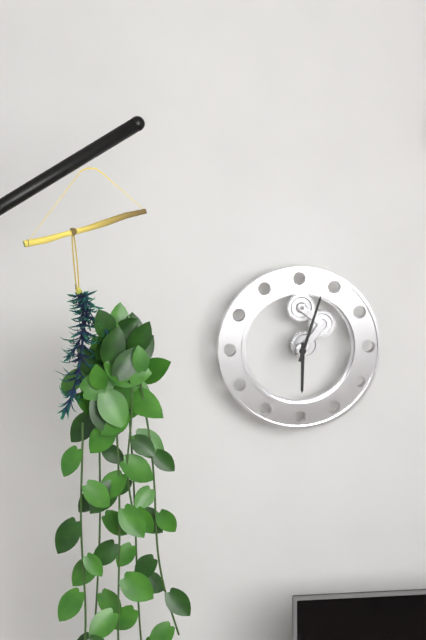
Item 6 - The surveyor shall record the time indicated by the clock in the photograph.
6:03
